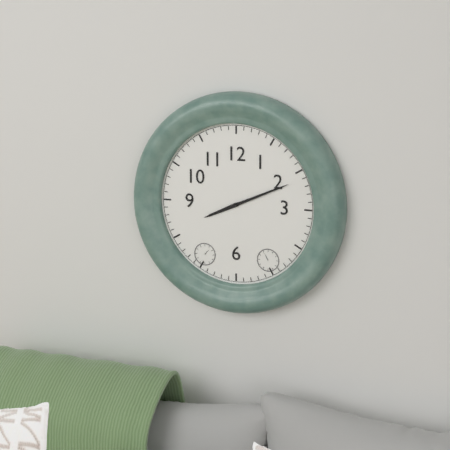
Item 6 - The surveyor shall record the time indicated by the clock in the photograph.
8:11
